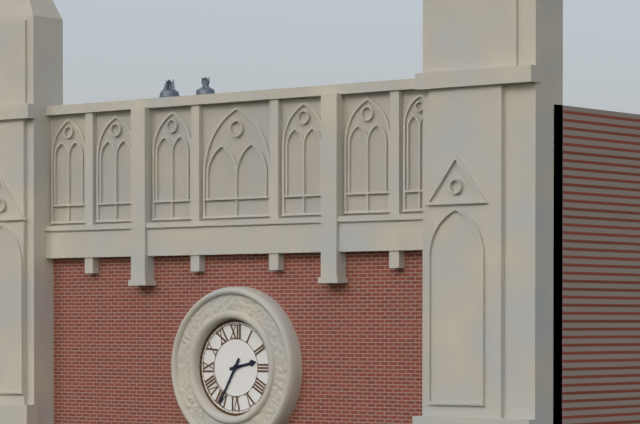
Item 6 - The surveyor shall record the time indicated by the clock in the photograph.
2:35
